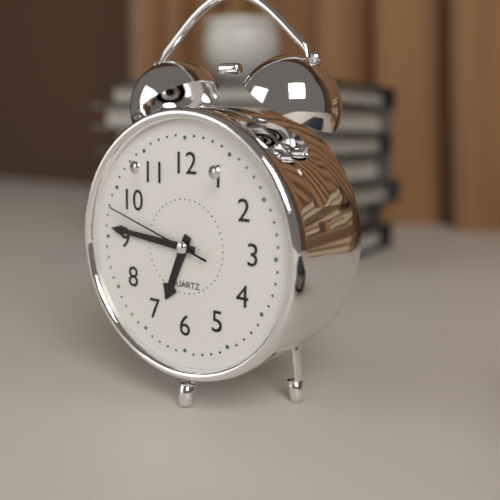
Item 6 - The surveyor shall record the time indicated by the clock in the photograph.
6:46:48
